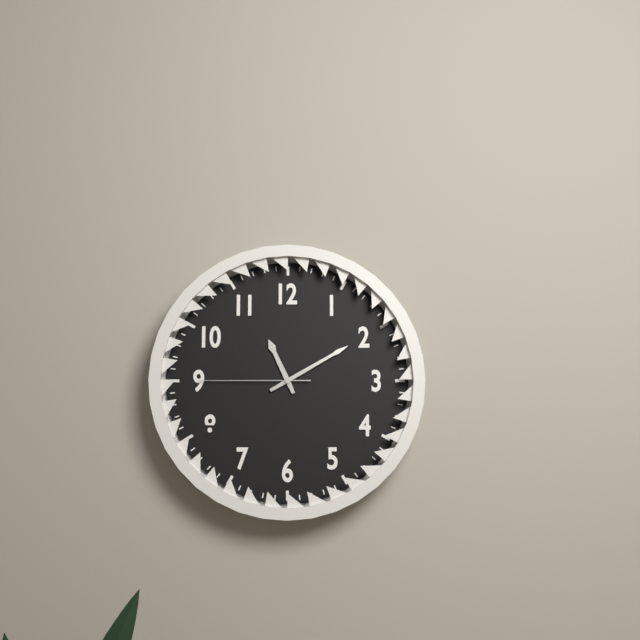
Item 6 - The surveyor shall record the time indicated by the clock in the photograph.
11:10:45
